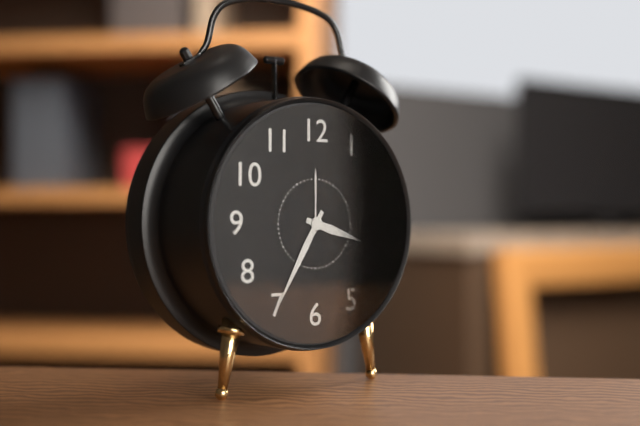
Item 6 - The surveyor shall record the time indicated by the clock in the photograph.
3:35
